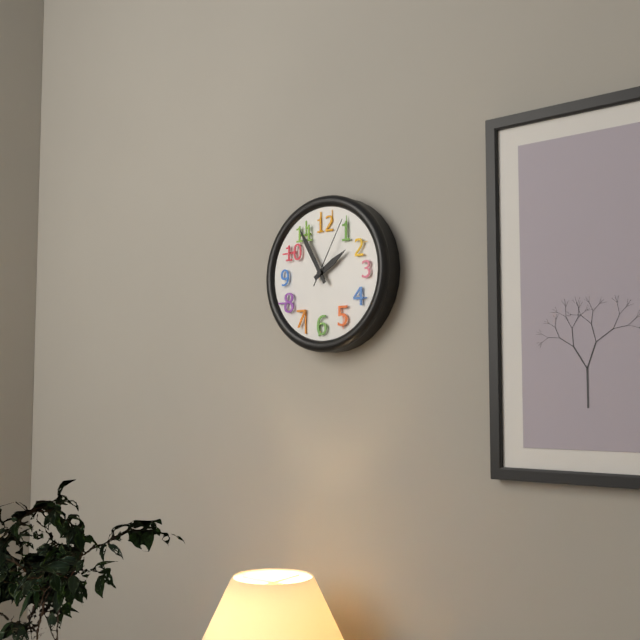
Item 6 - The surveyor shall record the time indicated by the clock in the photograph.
1:55:05
